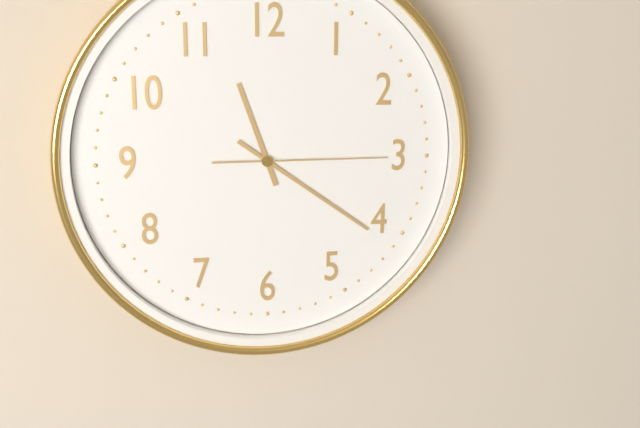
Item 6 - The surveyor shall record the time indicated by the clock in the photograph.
11:21:15
